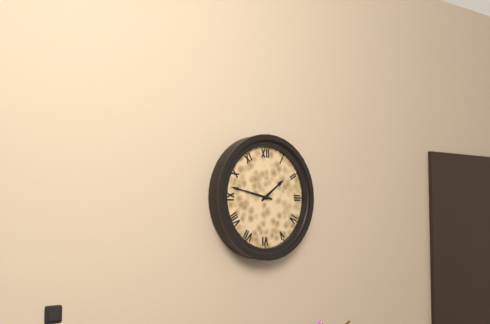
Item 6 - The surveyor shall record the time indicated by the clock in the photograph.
1:47
